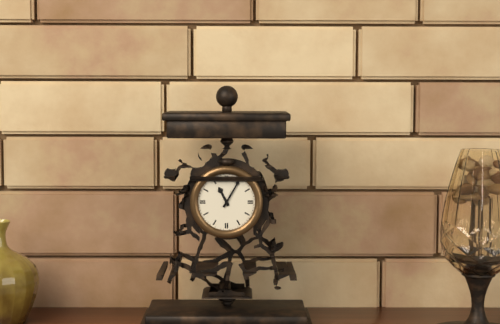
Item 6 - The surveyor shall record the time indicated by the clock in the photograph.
11:05
